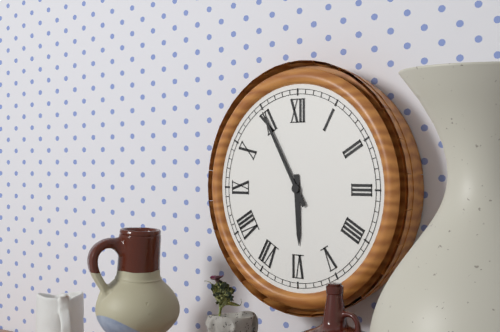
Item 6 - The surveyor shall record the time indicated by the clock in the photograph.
5:55
